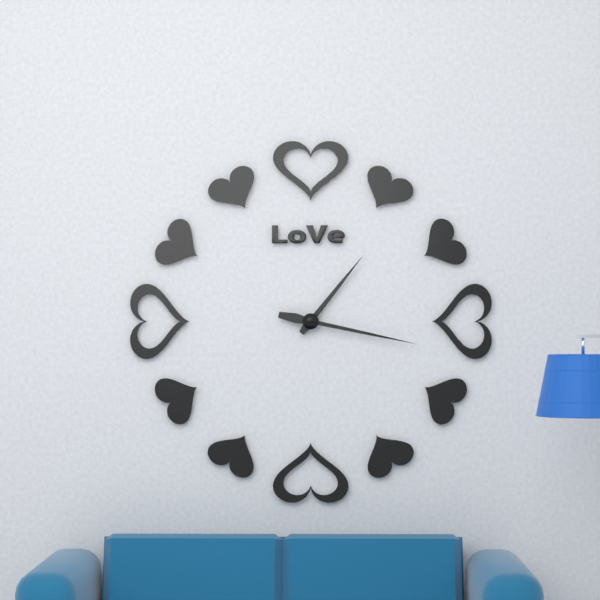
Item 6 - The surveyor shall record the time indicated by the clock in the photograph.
1:17
